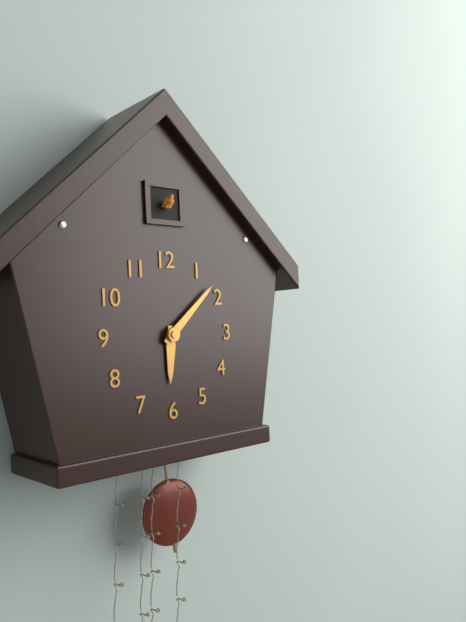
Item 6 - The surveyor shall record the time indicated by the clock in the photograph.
6:08
